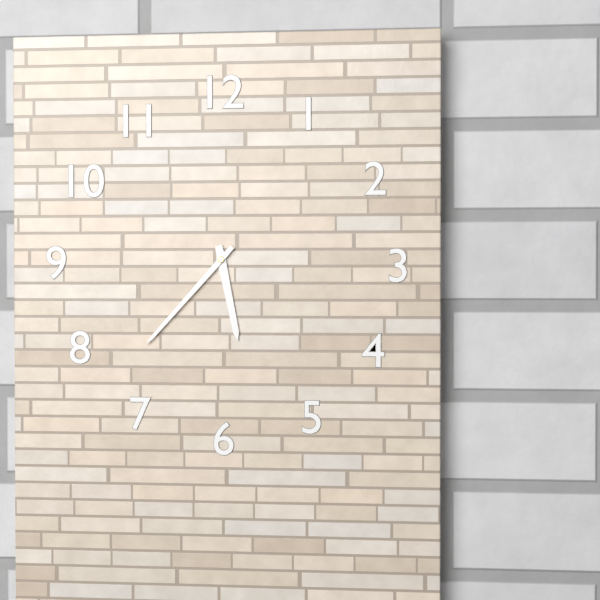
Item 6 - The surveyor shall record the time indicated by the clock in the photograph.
5:37
